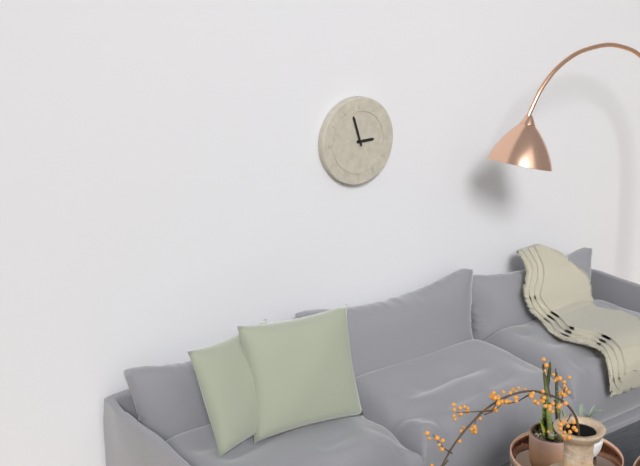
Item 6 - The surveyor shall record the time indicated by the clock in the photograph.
2:57
